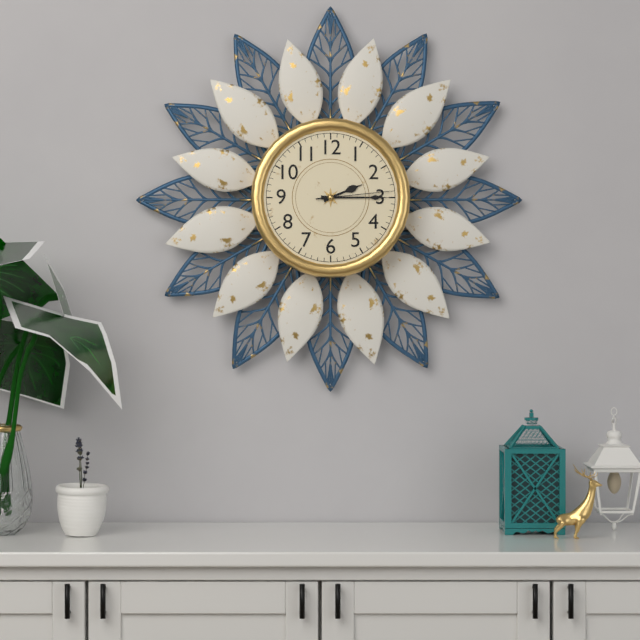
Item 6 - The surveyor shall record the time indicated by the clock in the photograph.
2:15:14
